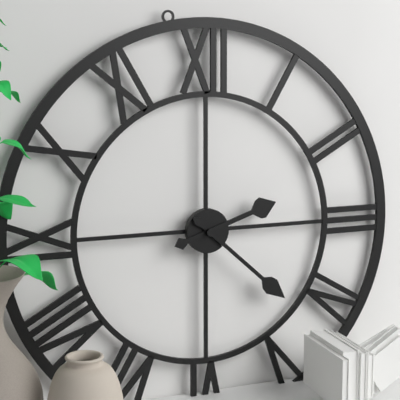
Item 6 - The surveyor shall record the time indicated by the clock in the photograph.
2:22
